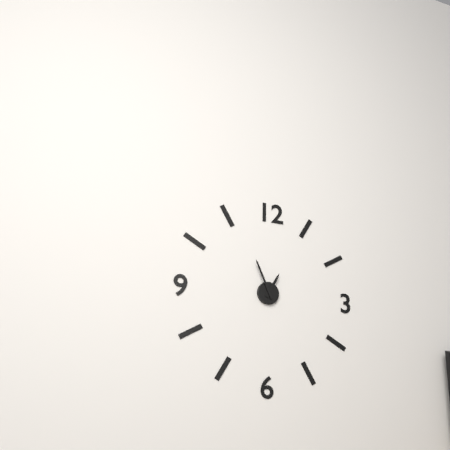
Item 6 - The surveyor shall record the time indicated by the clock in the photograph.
12:56
